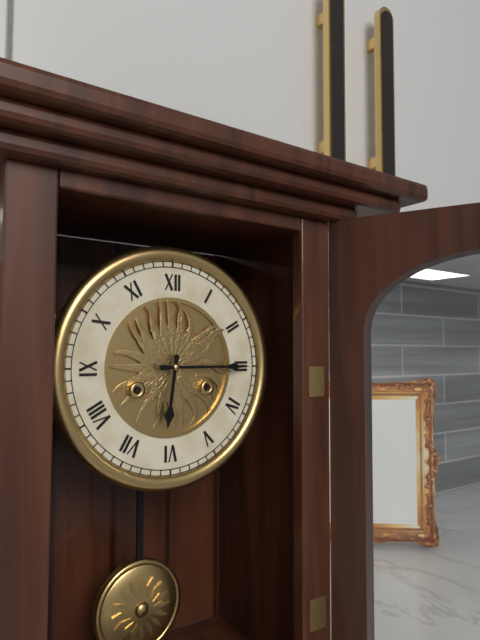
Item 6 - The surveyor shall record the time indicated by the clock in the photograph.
6:15
